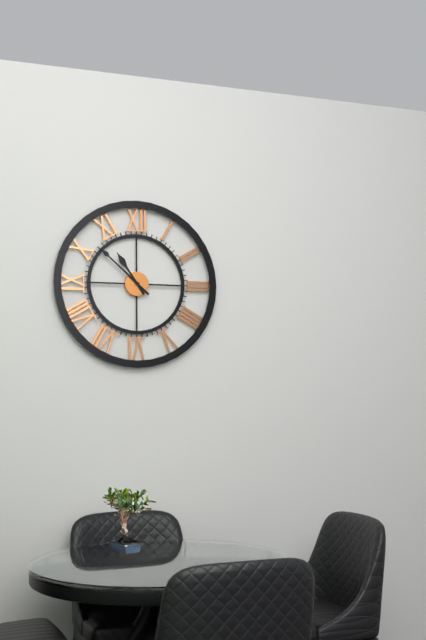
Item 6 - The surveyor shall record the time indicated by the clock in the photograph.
10:52
